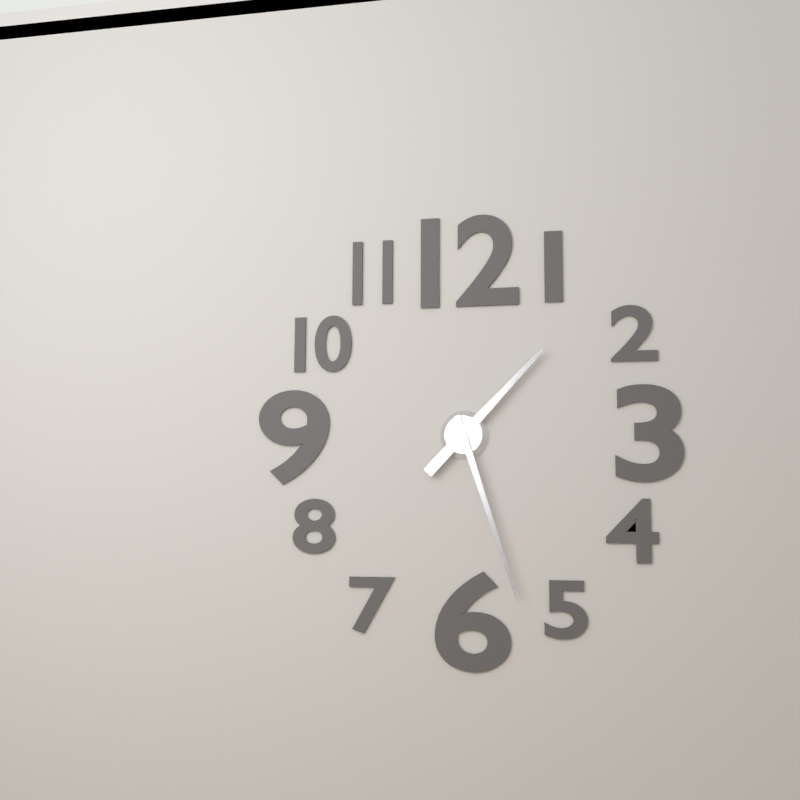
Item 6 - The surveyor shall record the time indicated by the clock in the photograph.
1:27
